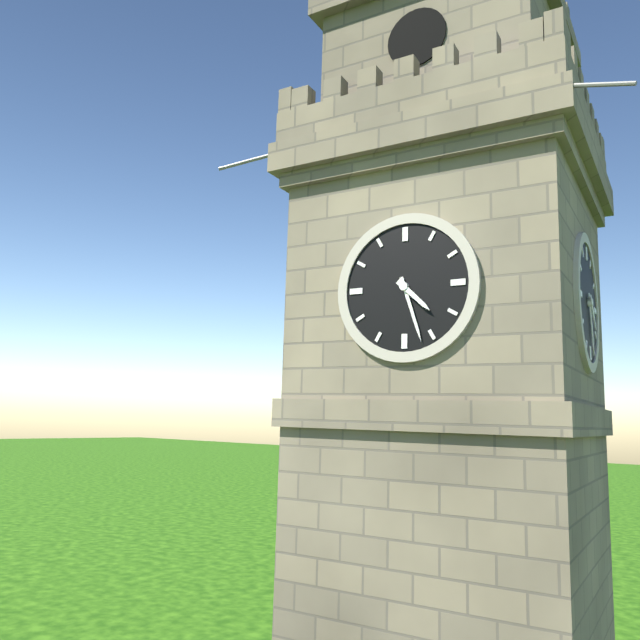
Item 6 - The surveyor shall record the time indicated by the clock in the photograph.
4:27
